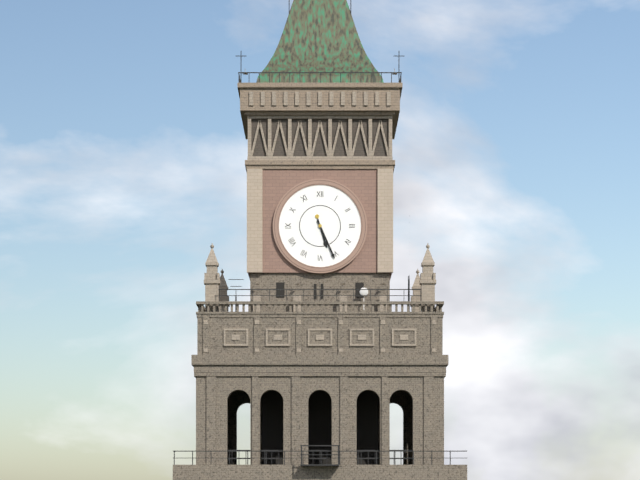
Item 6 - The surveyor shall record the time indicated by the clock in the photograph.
5:26
